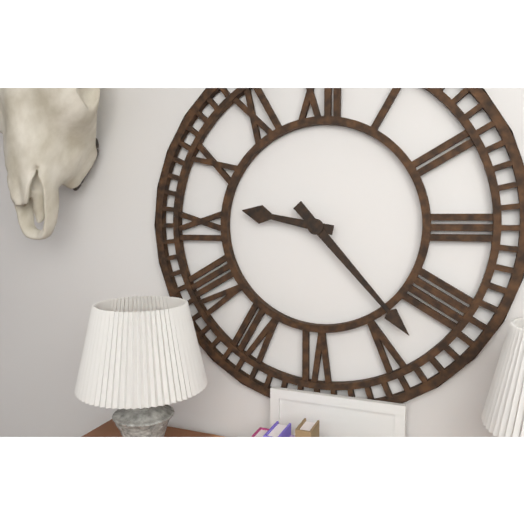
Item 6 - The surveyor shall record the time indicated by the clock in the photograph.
9:23
